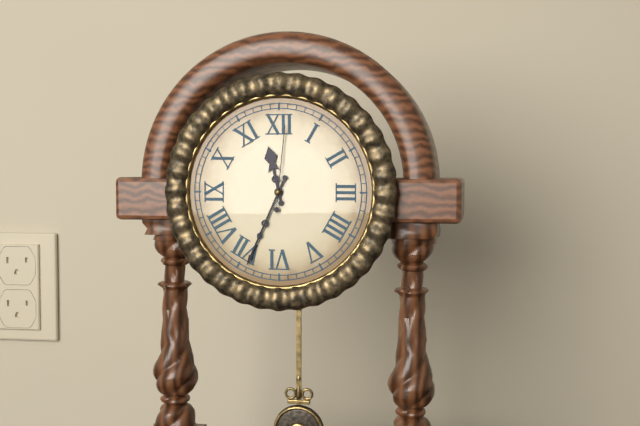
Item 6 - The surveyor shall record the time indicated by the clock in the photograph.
11:34:01
